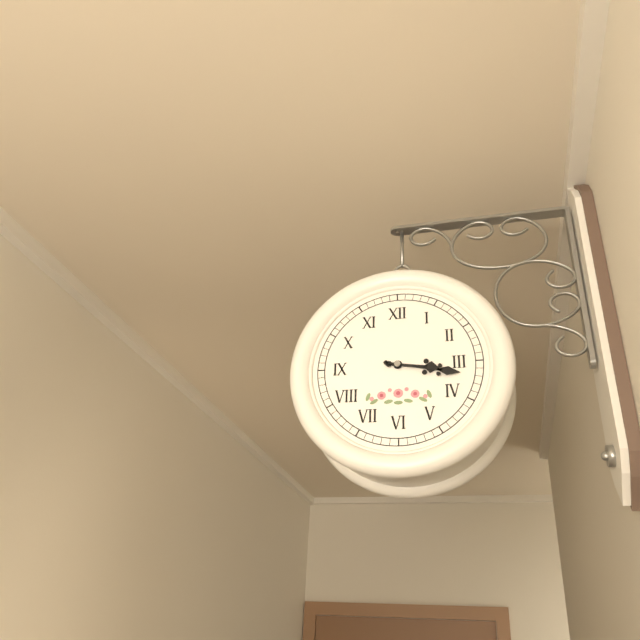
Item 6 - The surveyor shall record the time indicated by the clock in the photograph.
3:17
